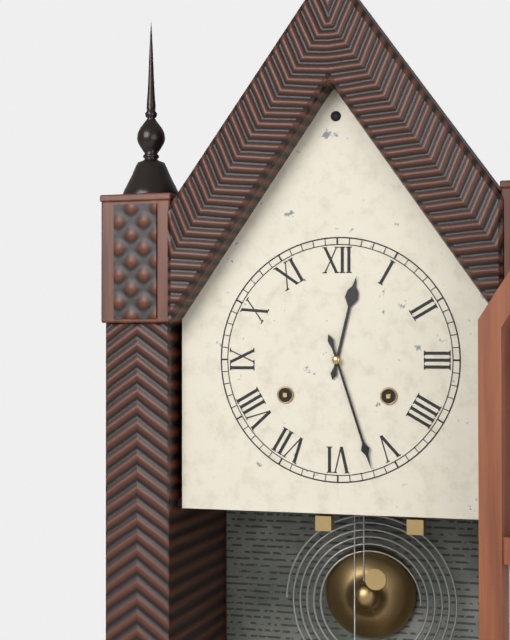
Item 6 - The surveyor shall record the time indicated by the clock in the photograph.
12:27
